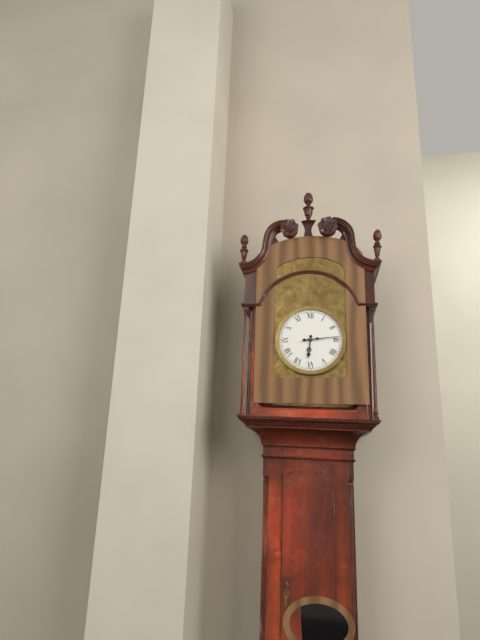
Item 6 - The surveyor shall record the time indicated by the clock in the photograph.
6:14
